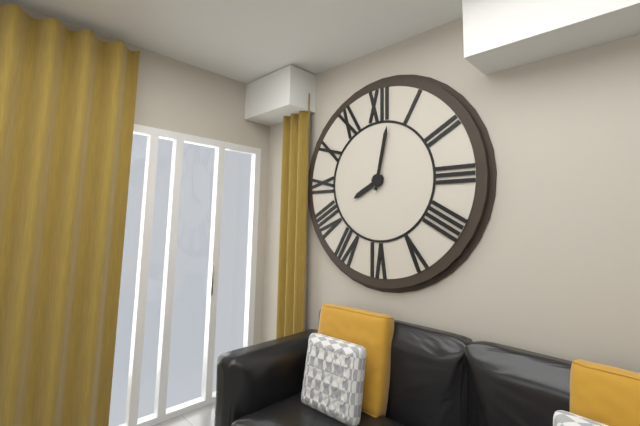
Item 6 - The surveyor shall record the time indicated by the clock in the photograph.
8:02
